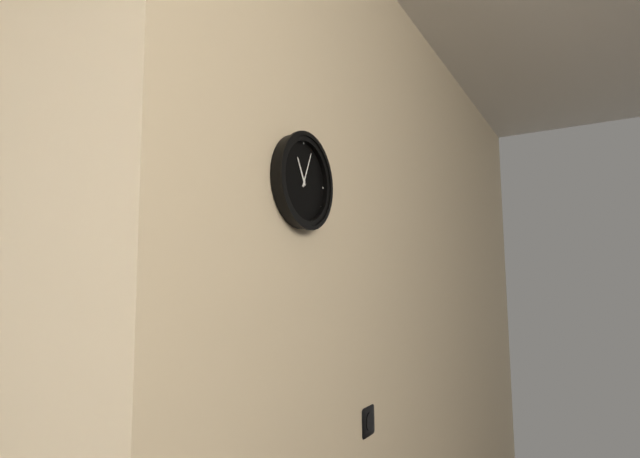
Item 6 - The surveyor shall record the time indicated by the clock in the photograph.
11:04
